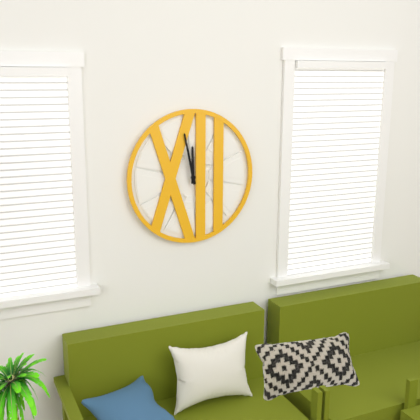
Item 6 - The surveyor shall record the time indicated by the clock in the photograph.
11:58
